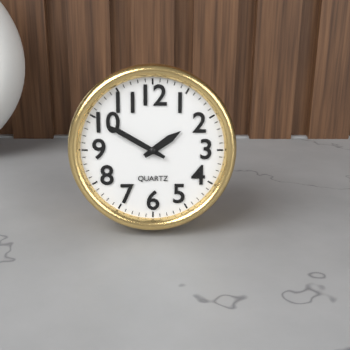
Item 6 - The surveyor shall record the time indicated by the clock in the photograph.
1:50
